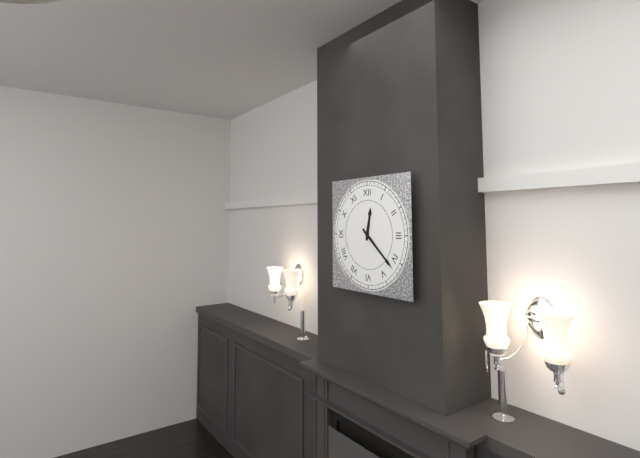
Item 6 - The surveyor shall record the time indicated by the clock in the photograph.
12:22
